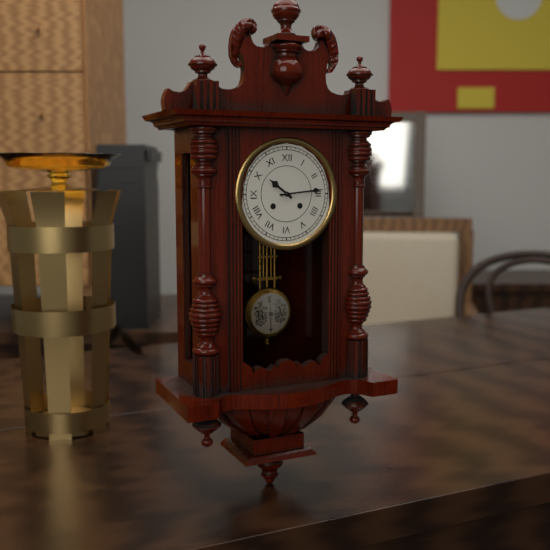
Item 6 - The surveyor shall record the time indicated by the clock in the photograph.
10:14
